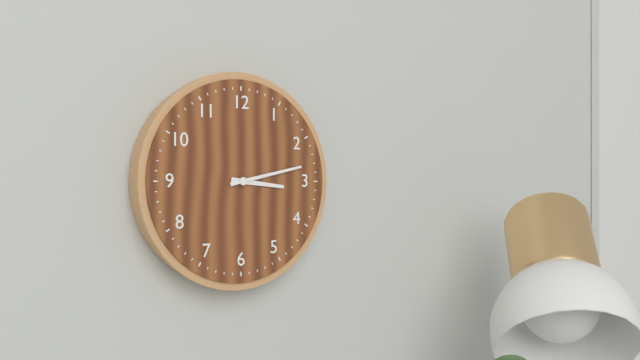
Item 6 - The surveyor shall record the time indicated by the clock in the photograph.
3:13
